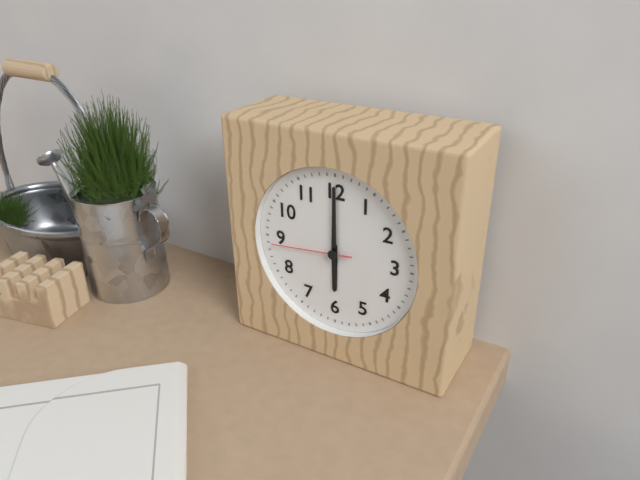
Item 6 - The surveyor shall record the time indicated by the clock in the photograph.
6:00:44
